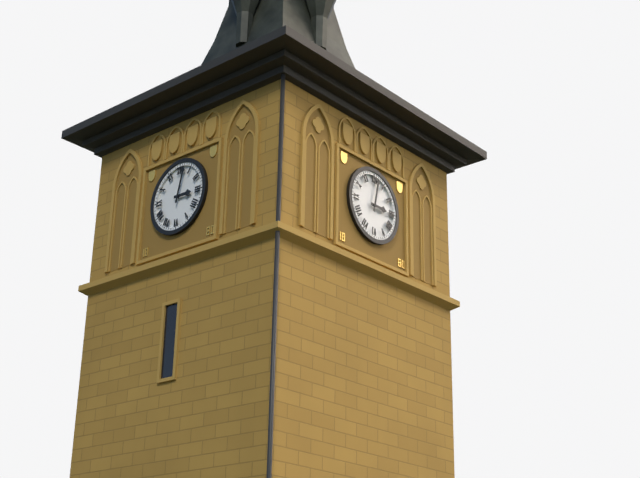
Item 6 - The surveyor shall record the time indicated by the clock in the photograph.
3:02
